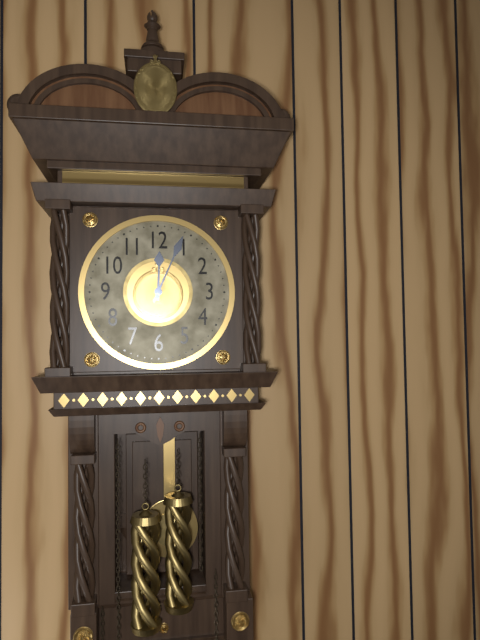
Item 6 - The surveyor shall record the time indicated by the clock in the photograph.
12:04
